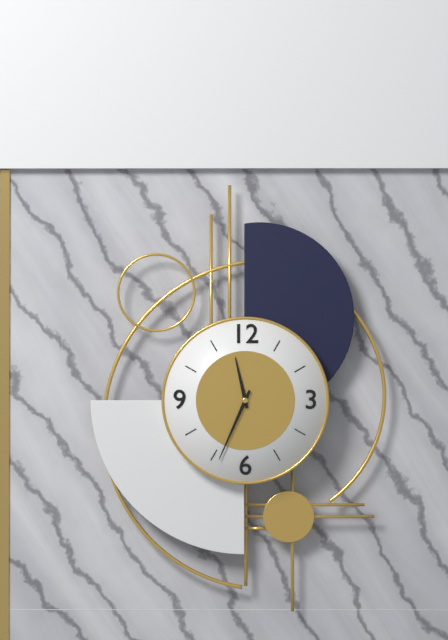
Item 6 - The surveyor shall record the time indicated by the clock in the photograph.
11:34
